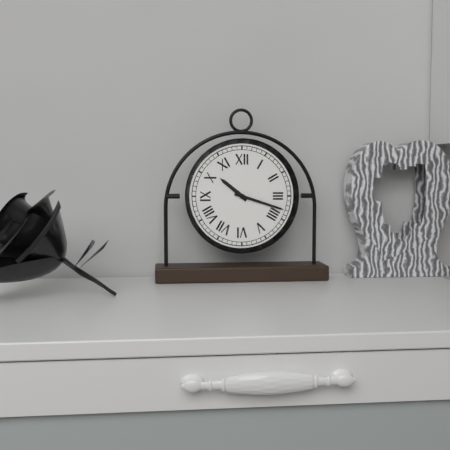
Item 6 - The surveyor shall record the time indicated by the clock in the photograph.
10:18
